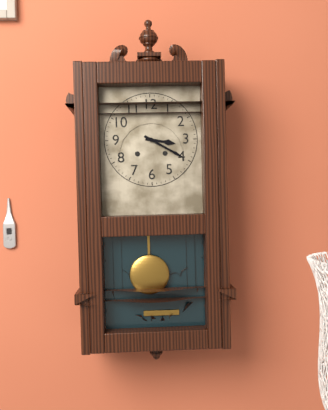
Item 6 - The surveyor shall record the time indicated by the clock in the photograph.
3:20
